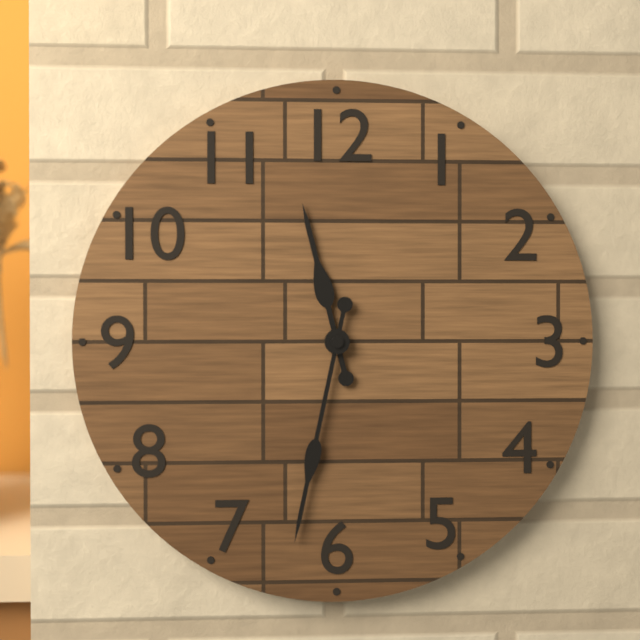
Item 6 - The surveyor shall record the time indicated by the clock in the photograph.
11:32
